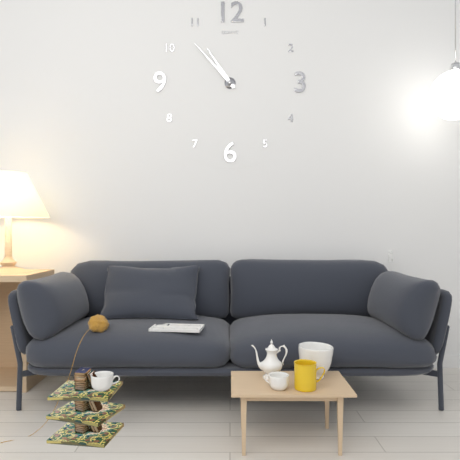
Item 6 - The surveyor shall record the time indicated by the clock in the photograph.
10:53
